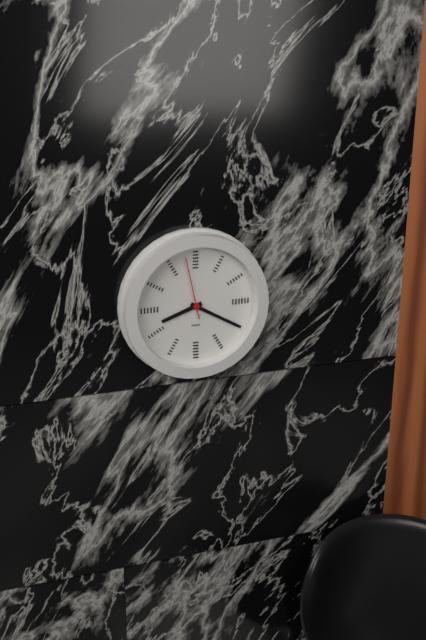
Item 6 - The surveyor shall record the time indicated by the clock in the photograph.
8:20:58
